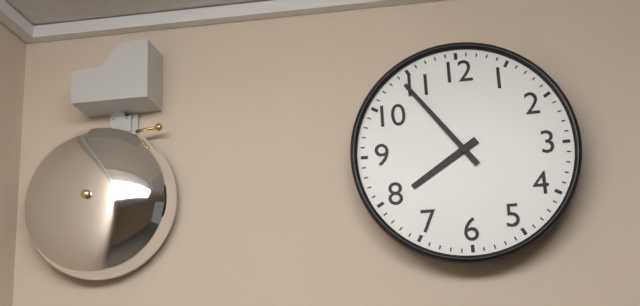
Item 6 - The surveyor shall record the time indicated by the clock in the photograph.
7:54
